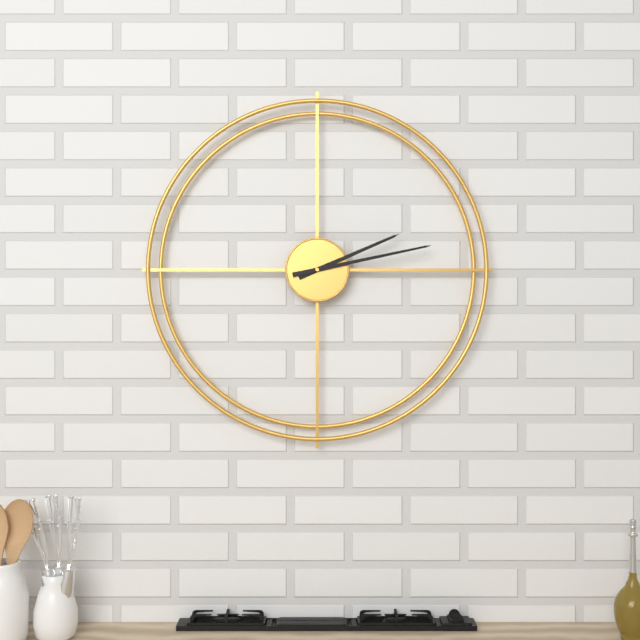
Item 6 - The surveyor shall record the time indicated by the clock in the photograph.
2:13
